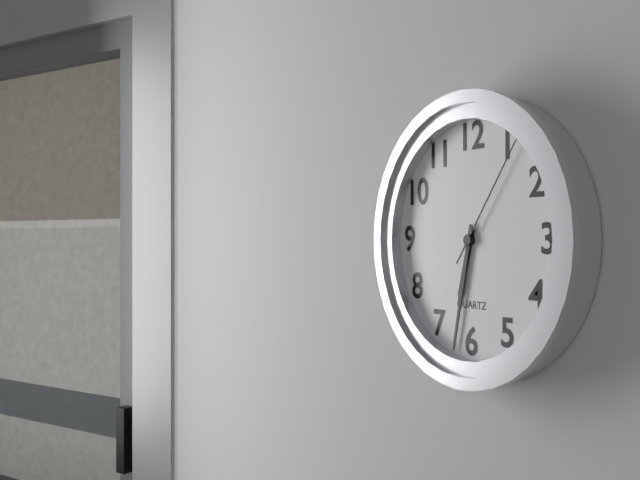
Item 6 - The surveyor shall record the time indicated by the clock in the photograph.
6:32:06
